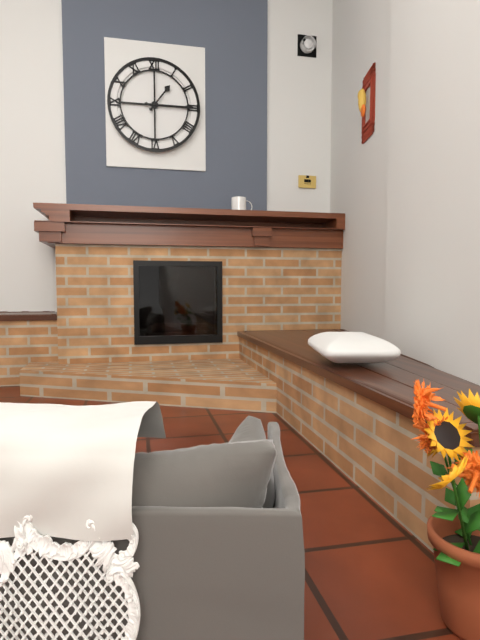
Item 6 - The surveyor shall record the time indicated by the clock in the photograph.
1:15
